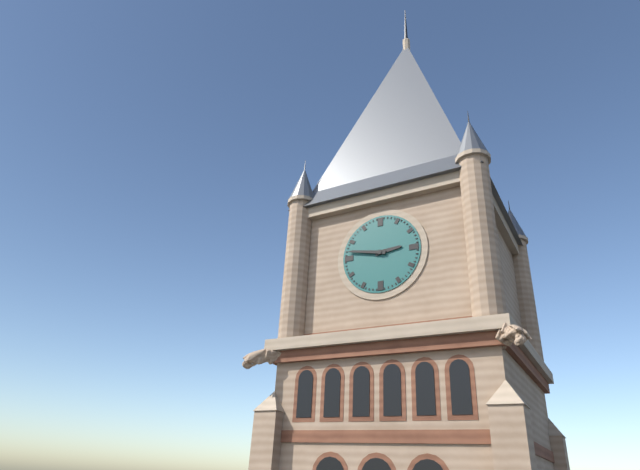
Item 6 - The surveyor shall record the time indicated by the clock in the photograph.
2:47
